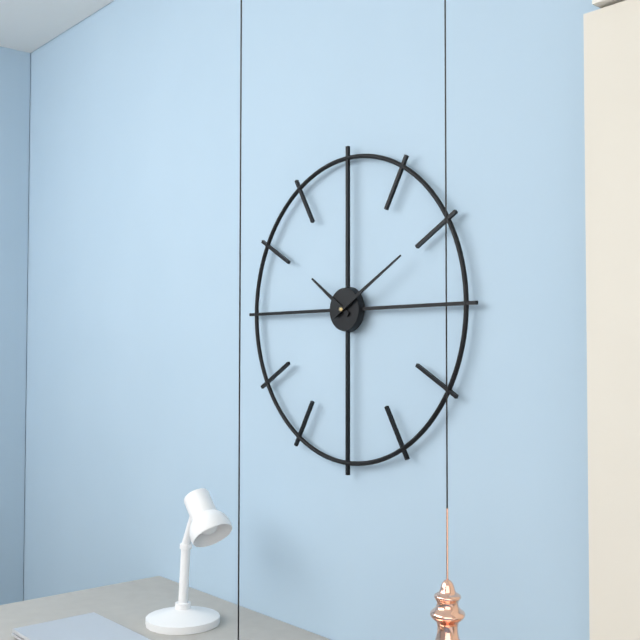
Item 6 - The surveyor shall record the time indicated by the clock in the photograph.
10:10
